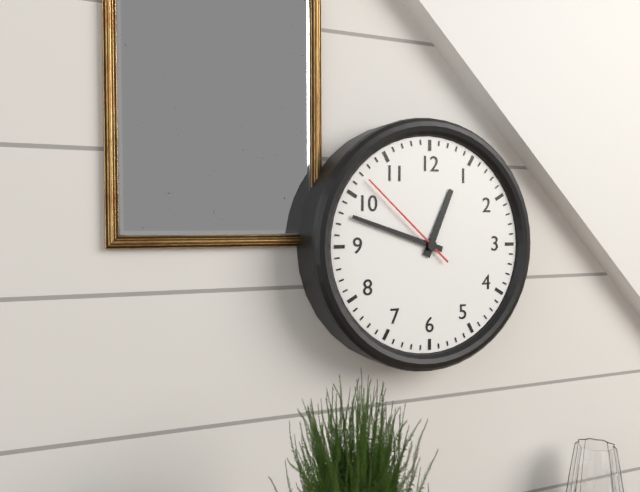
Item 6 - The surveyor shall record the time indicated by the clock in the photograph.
12:48:52
